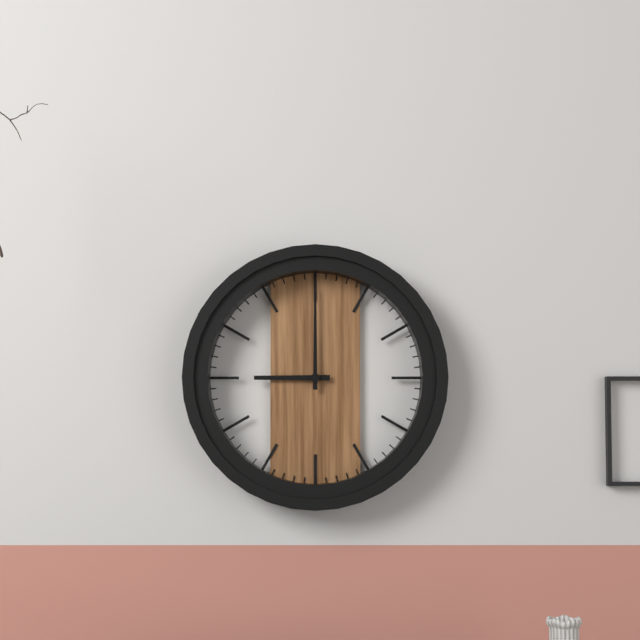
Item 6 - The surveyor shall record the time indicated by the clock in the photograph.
9:00
